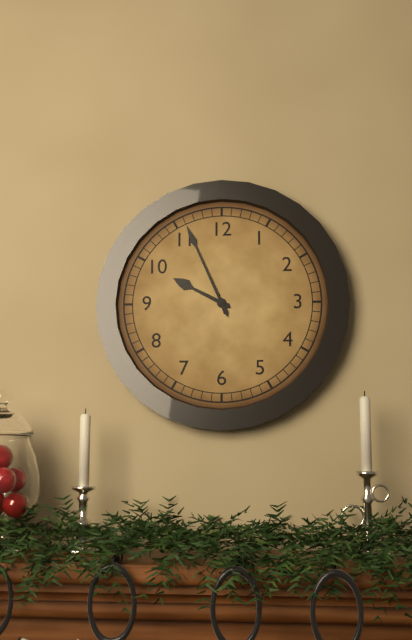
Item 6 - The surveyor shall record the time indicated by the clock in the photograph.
9:56
